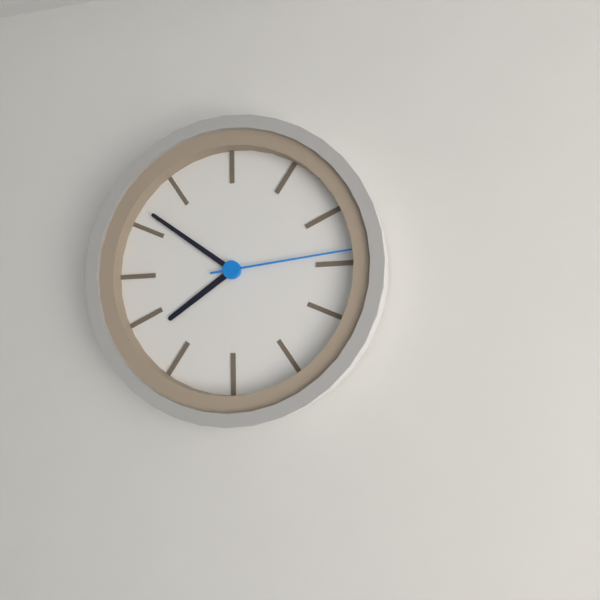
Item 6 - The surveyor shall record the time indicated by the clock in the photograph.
7:51:14
